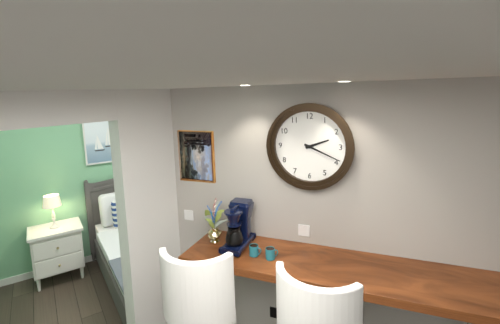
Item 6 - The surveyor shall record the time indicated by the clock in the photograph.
2:19
